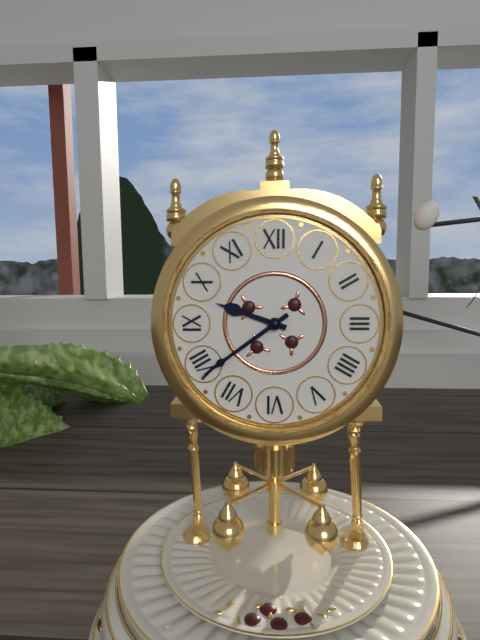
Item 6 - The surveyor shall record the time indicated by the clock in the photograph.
9:39
